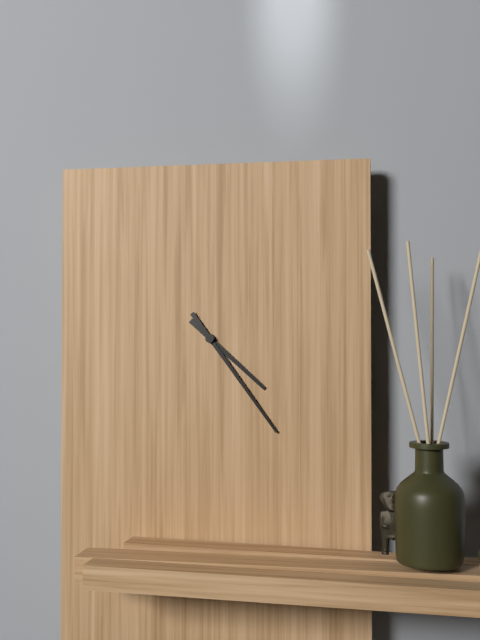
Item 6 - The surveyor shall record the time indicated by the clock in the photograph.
4:24
